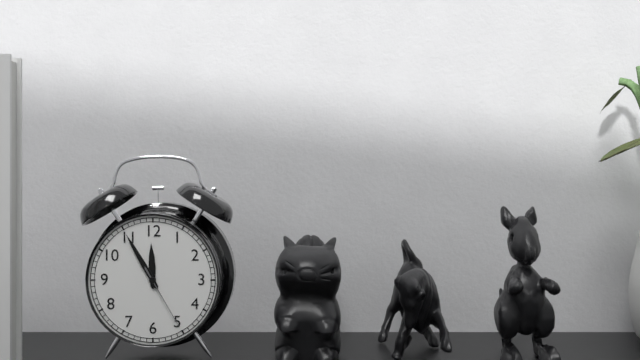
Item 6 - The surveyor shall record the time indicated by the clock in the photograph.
11:55:25
